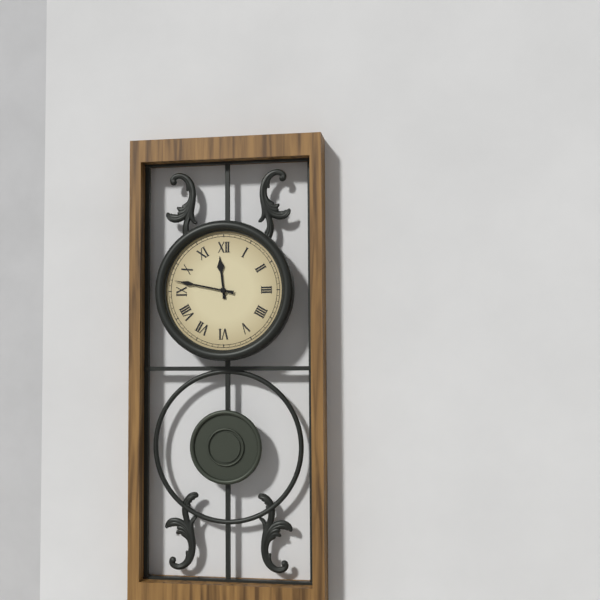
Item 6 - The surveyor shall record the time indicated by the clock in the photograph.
11:47
